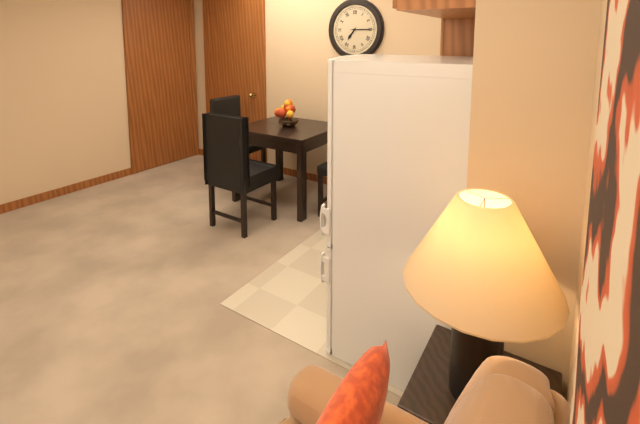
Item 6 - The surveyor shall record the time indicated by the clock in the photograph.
7:15
